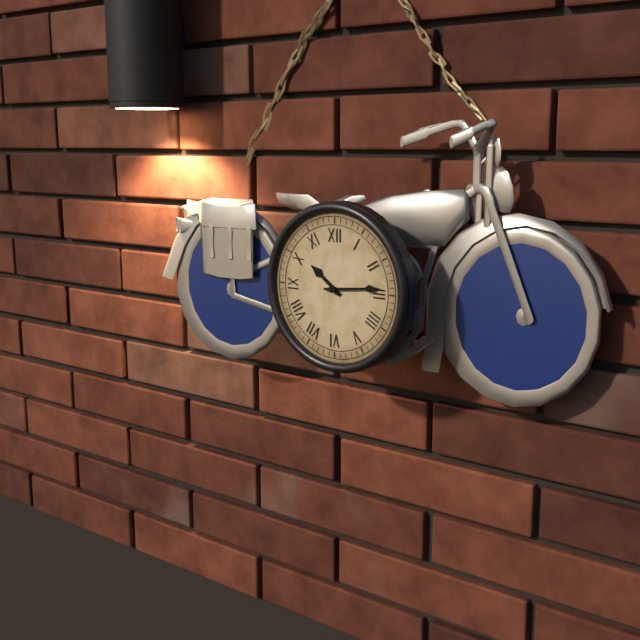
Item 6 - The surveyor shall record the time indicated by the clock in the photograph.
10:14
